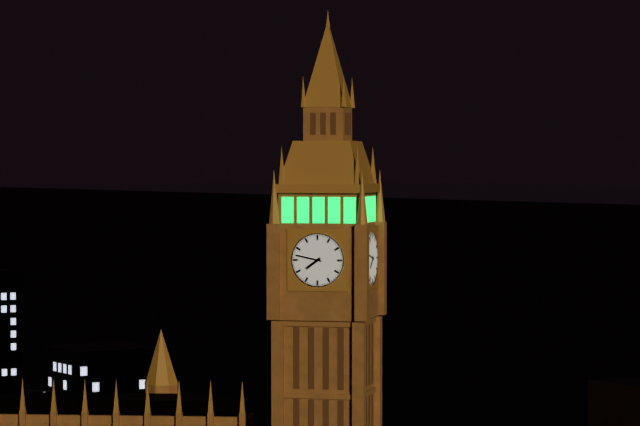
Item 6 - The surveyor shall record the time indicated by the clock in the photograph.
7:47
